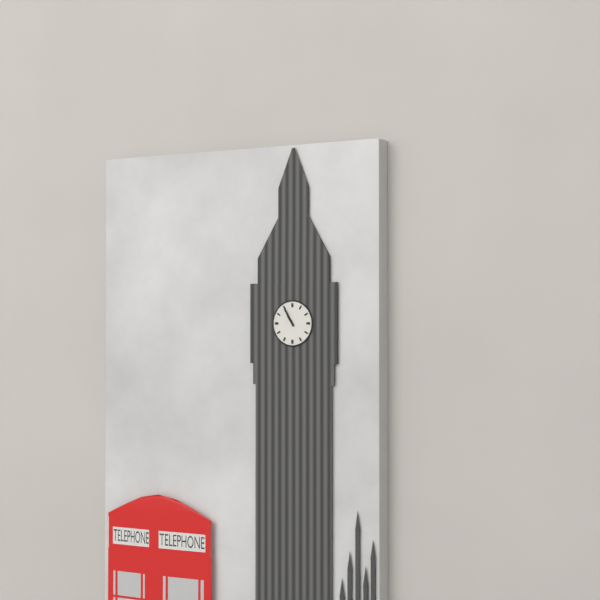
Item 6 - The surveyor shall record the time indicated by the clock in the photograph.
10:55
